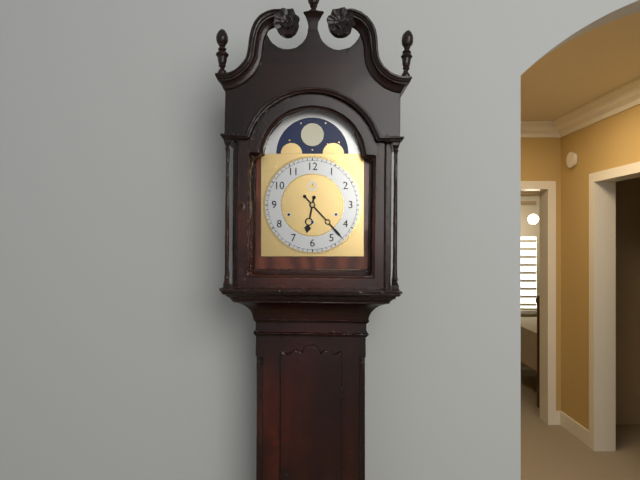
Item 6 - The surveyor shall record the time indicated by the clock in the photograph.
6:23
